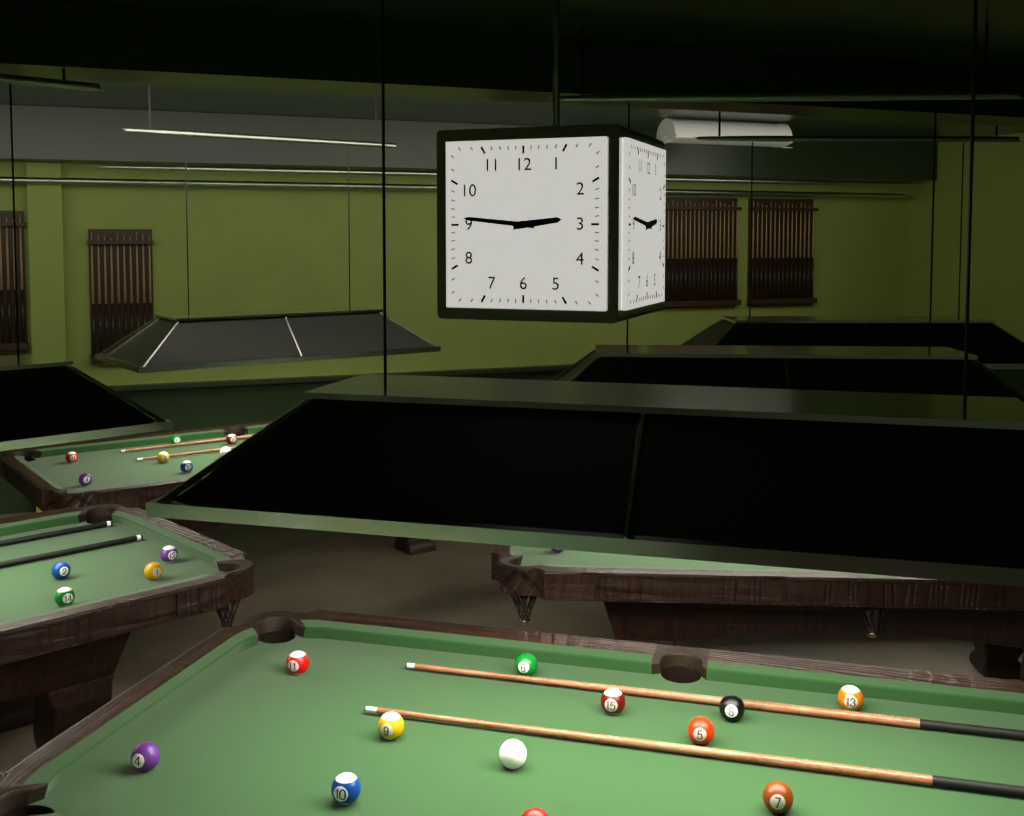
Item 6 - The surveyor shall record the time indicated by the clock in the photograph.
2:46
